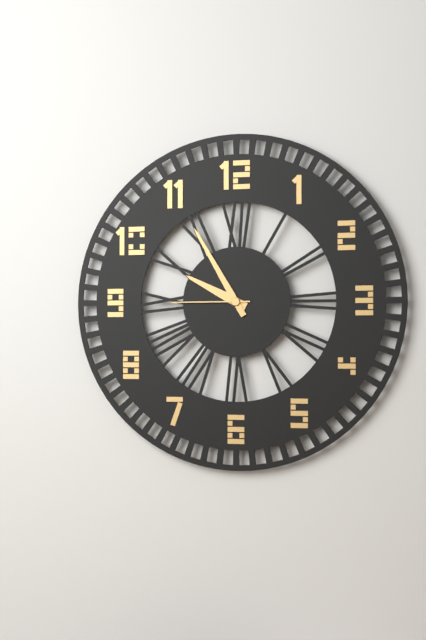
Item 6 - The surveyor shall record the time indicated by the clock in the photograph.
9:55:45
